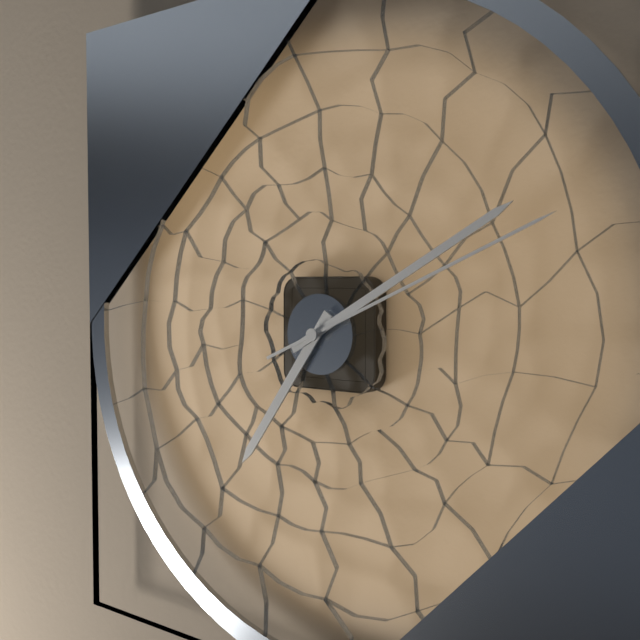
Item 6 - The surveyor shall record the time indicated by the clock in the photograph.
7:10:11
